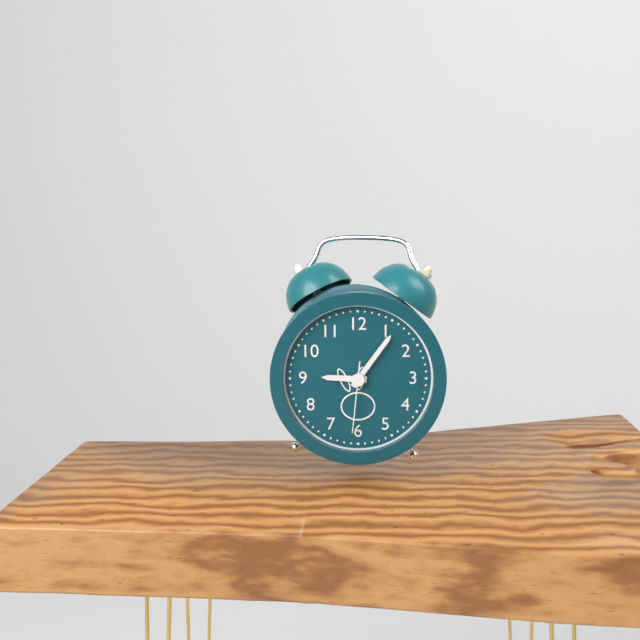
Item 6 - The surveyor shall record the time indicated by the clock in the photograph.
9:06:31
